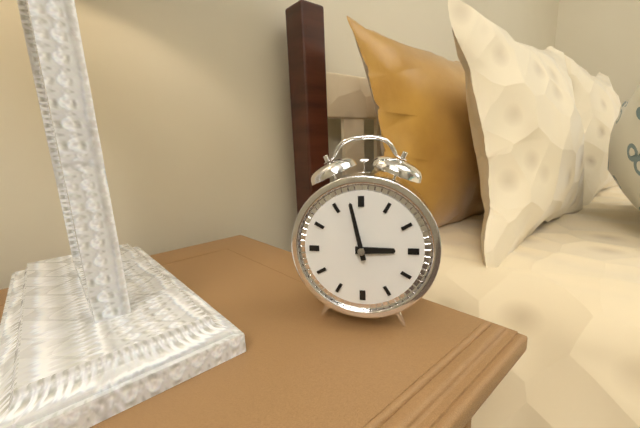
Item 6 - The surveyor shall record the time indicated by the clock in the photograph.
2:58
